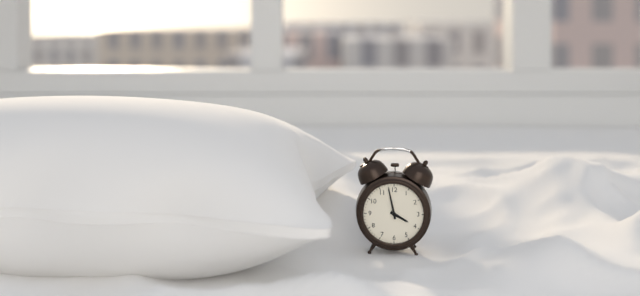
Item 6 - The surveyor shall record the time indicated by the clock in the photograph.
3:58
